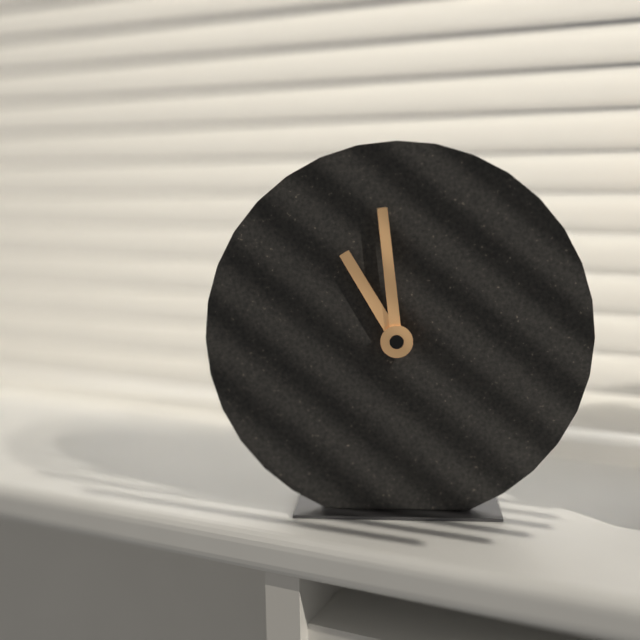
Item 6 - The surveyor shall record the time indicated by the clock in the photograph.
10:59
